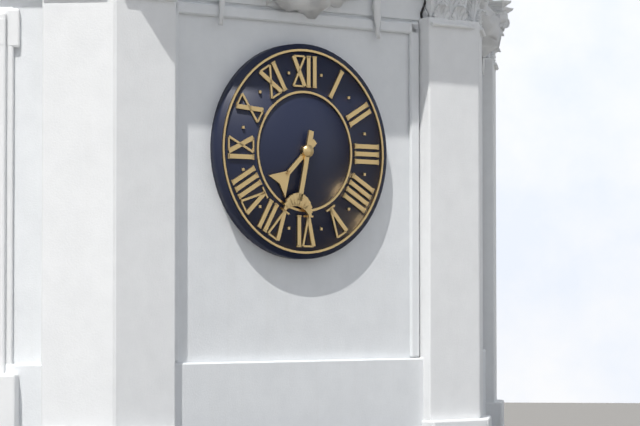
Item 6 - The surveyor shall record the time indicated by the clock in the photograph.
7:32
